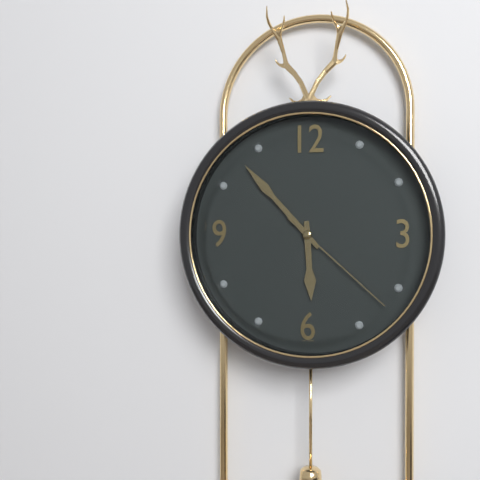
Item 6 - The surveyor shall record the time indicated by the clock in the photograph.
5:53:22
